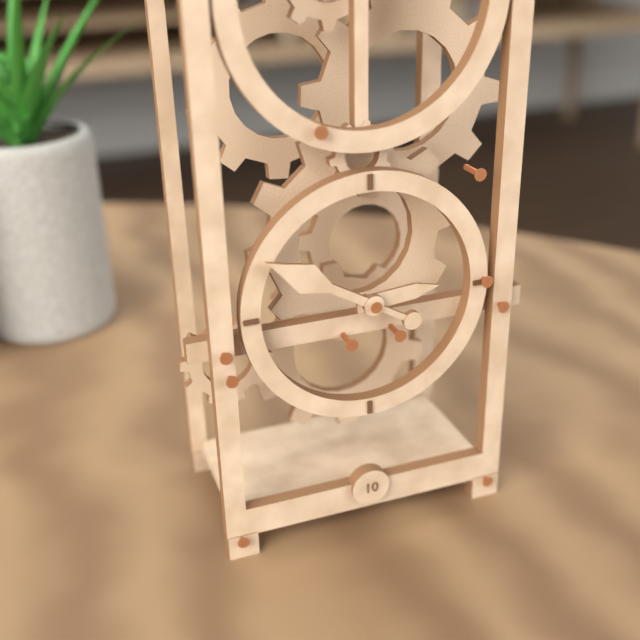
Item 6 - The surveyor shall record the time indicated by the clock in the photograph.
2:50
